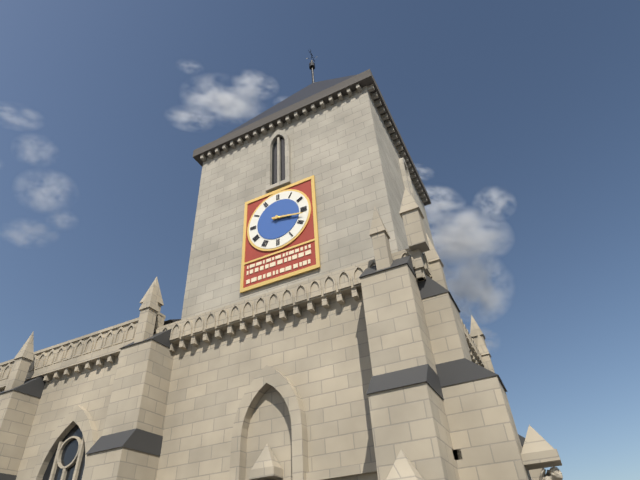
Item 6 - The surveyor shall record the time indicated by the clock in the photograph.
3:17
